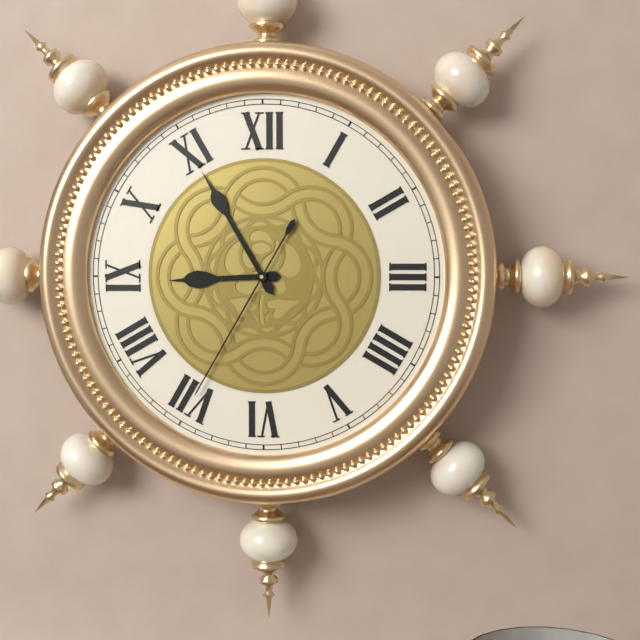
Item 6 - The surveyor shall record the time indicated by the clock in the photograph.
8:55:35
